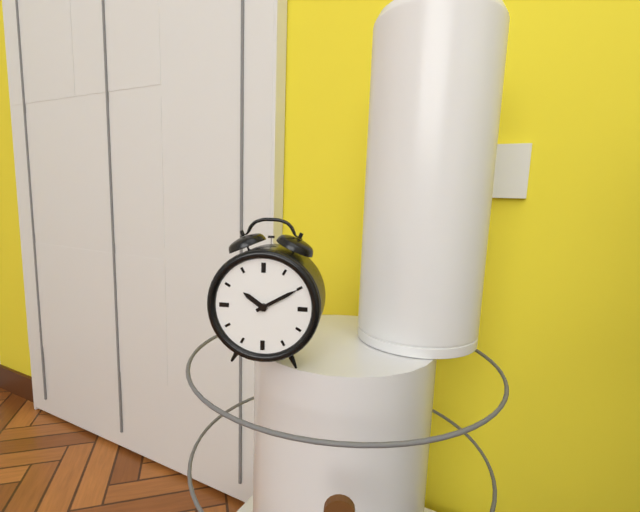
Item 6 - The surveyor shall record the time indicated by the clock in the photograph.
10:10
